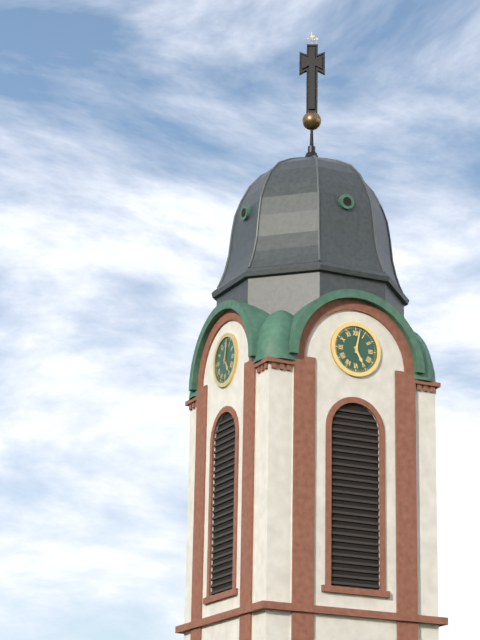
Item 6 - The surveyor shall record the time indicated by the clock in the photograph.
5:02
